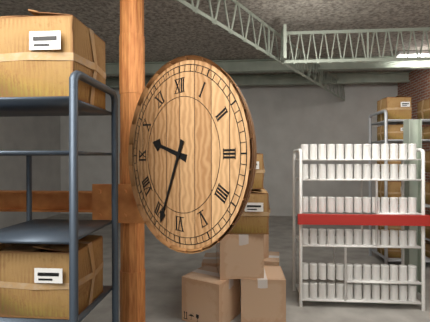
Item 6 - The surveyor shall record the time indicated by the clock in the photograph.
9:34
